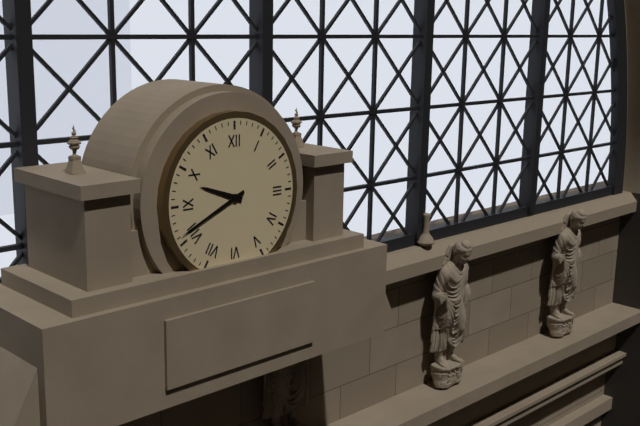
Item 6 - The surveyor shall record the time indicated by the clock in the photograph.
9:41
